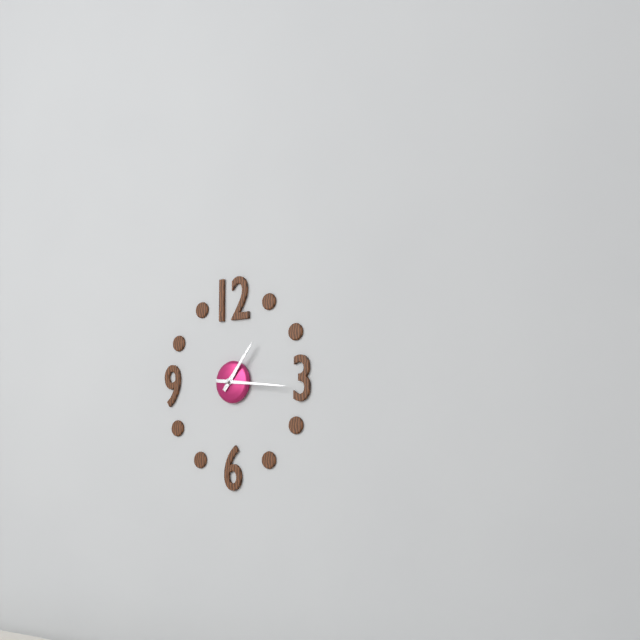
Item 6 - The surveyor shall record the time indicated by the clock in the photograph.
1:16
